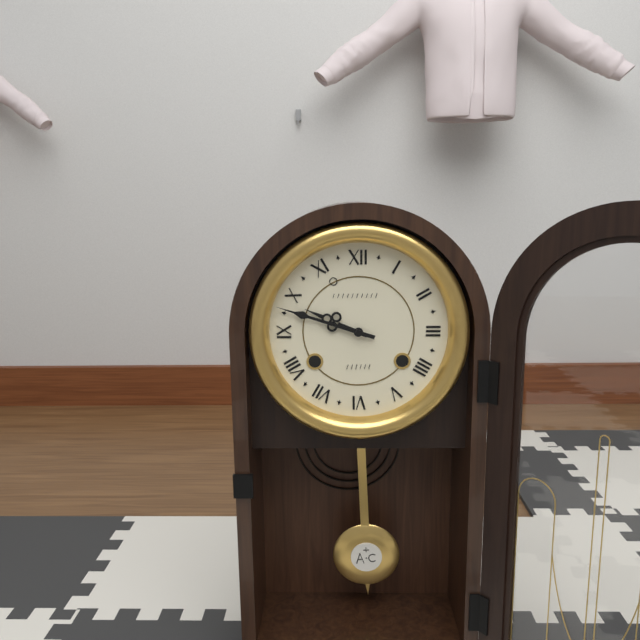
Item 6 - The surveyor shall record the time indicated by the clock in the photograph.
9:48
